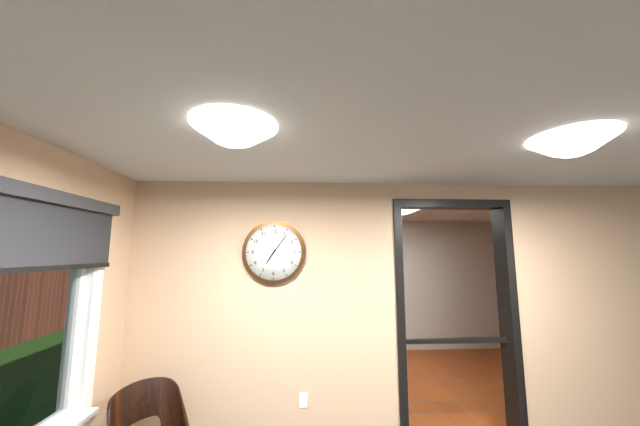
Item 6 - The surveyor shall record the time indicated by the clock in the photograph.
7:06
